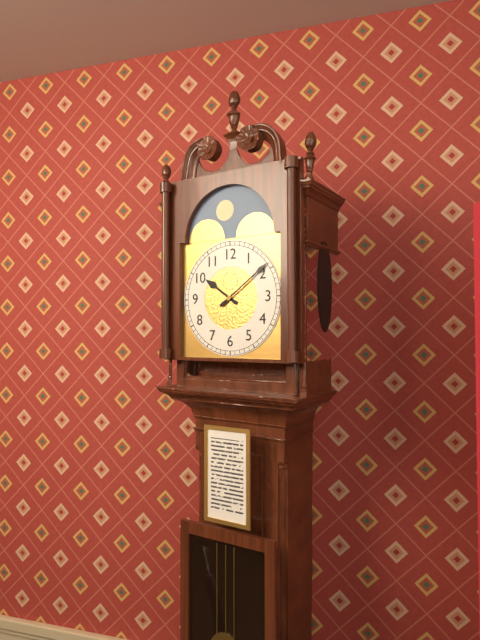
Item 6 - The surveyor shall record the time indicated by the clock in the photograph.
10:09
